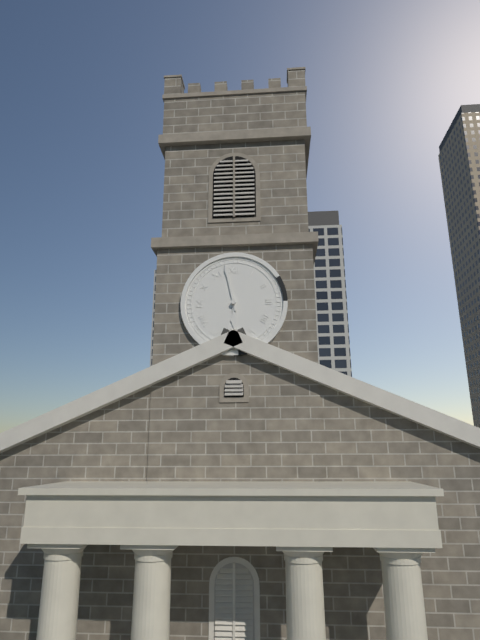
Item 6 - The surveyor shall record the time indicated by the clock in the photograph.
5:58
